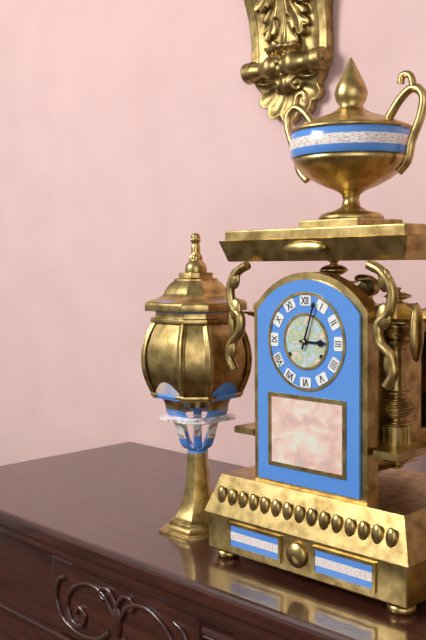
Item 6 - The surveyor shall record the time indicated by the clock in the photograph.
3:03
